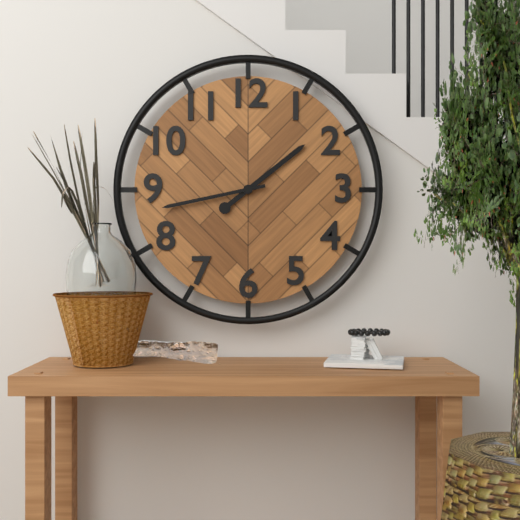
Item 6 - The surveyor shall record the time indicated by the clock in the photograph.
1:43
